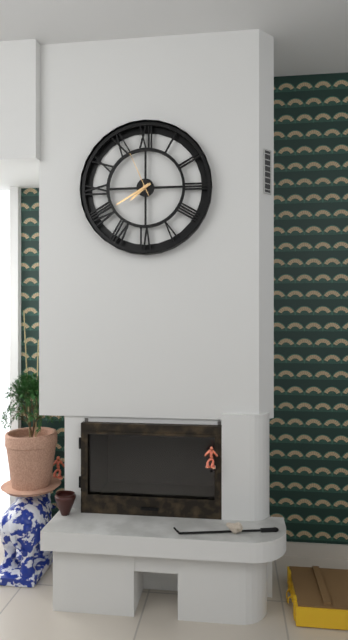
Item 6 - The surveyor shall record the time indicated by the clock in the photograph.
7:40
